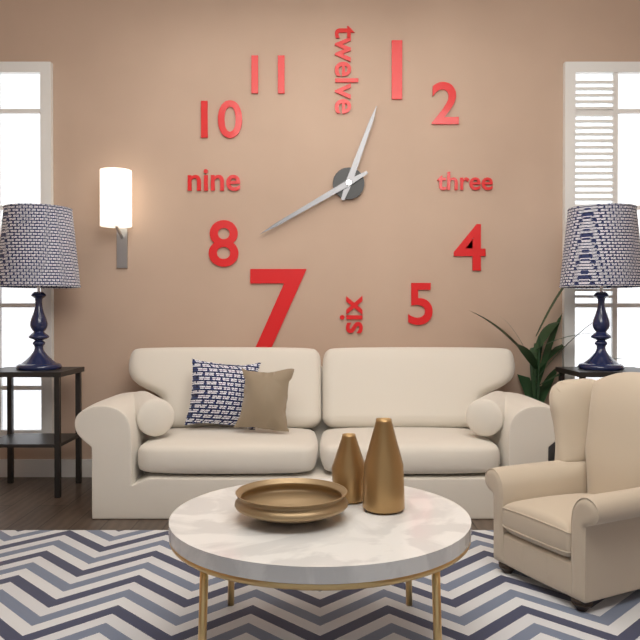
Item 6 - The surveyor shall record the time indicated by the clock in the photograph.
12:40
